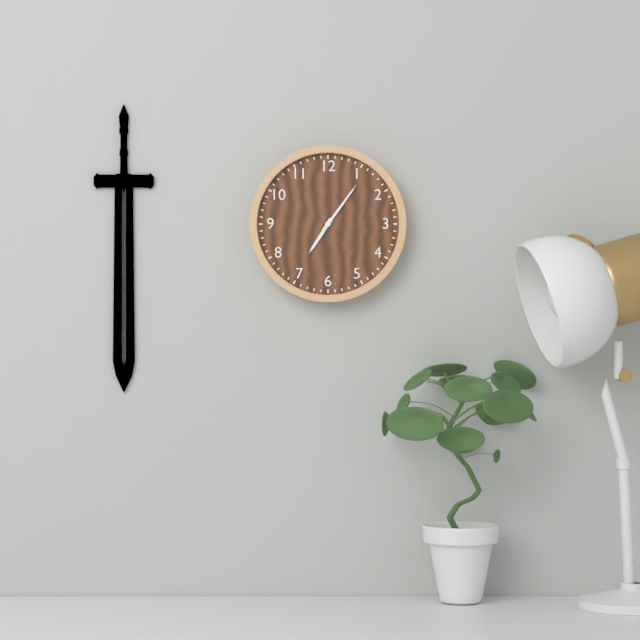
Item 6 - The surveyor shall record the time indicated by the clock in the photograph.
7:06
